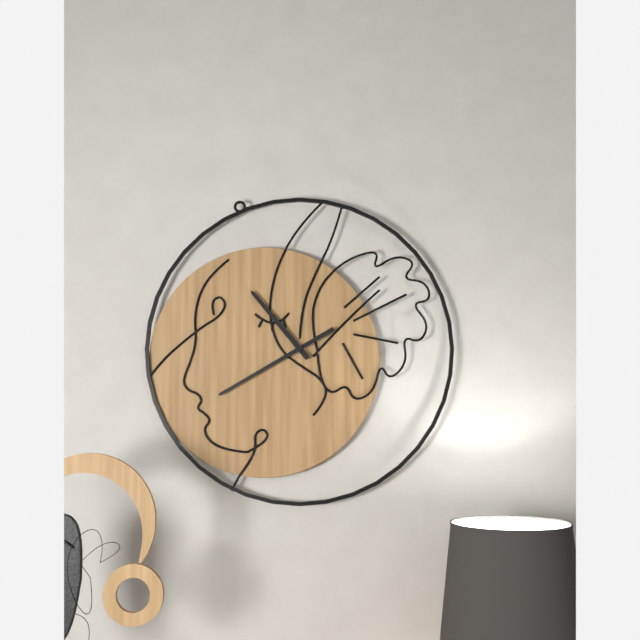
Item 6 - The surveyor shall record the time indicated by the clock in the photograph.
10:40
